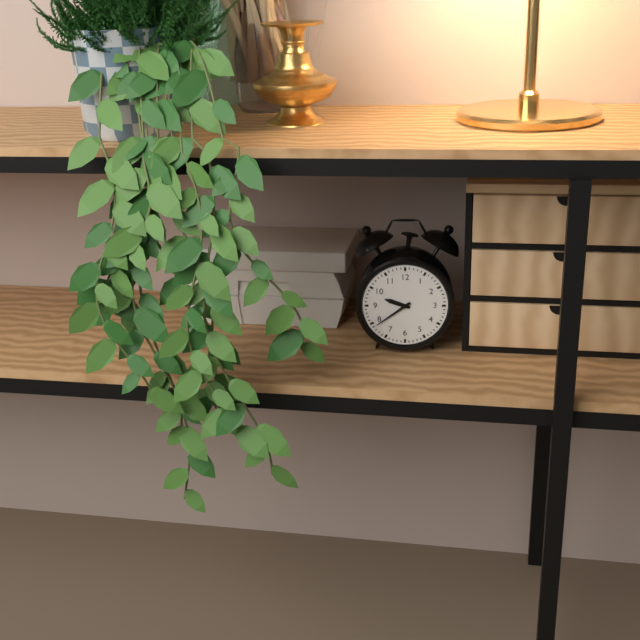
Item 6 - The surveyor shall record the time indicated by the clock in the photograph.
9:39
